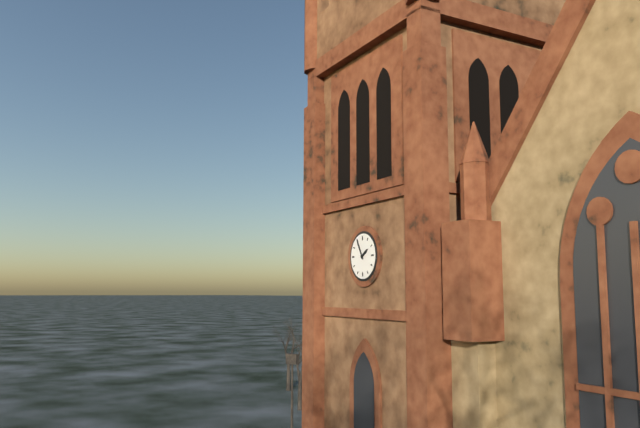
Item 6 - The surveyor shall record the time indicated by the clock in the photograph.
1:55
